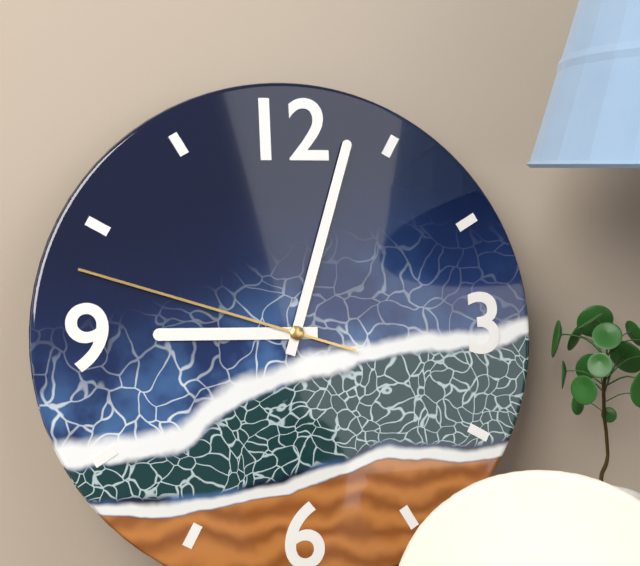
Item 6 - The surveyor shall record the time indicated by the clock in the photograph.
9:03:48
